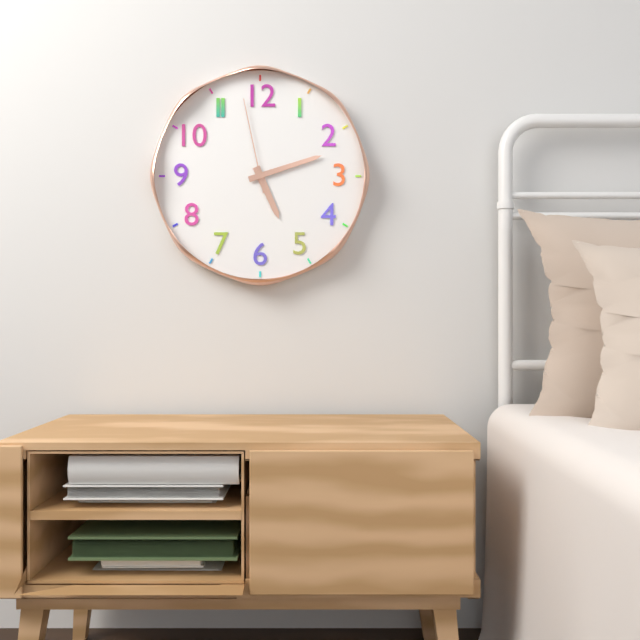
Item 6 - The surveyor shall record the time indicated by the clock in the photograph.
5:12:58
